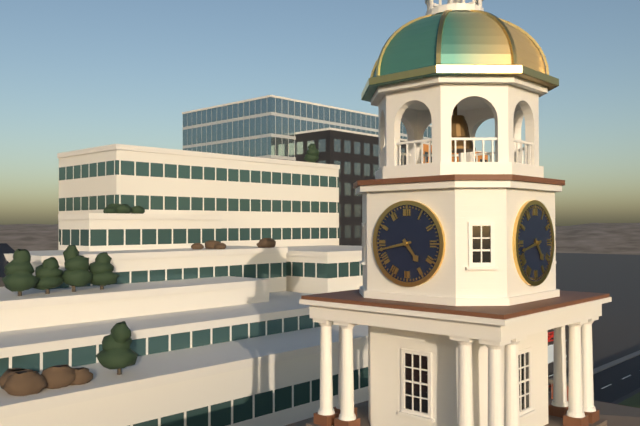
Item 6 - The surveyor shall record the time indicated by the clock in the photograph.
4:43
